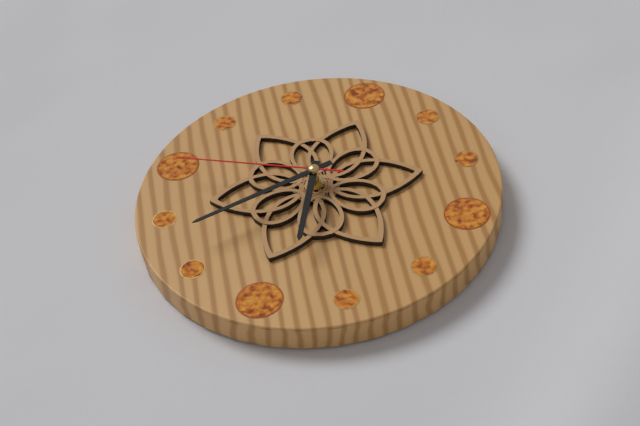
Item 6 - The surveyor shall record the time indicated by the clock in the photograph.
5:37:44
